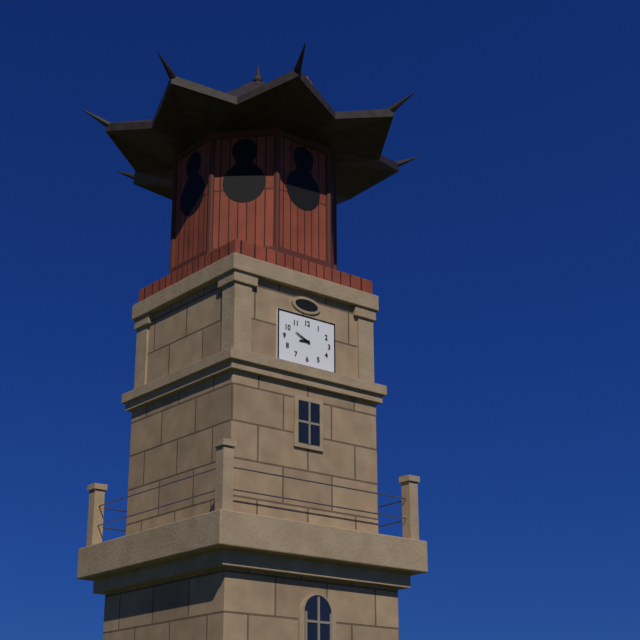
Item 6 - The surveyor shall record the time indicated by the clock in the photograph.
8:49
